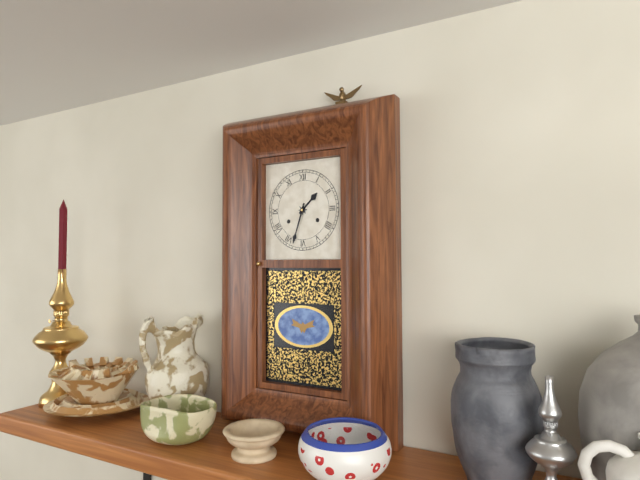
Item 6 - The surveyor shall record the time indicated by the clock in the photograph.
1:33
